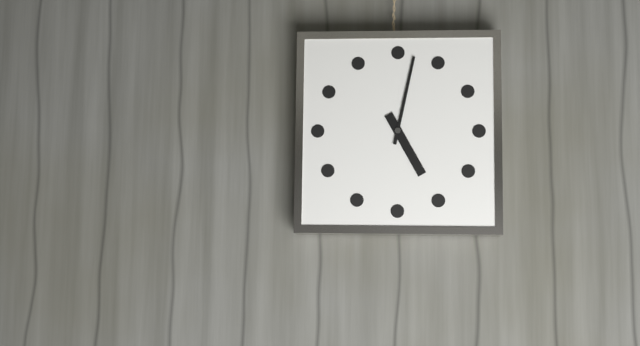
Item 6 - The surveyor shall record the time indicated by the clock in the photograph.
5:02
